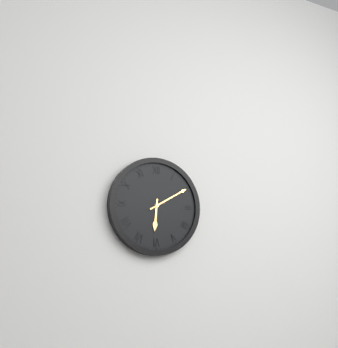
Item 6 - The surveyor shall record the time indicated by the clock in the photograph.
6:10
